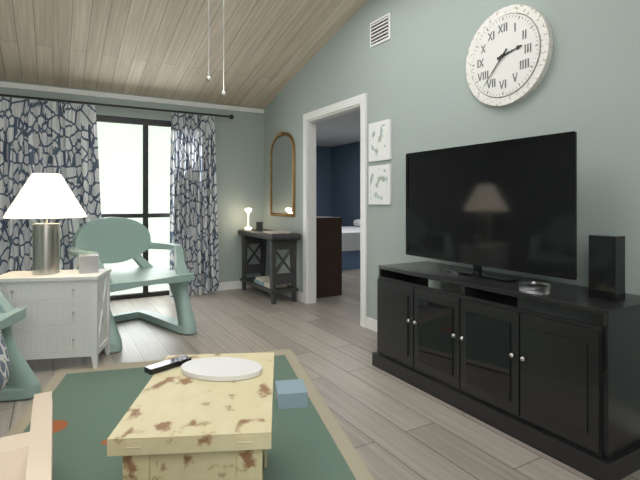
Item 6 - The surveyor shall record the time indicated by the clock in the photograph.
2:37
